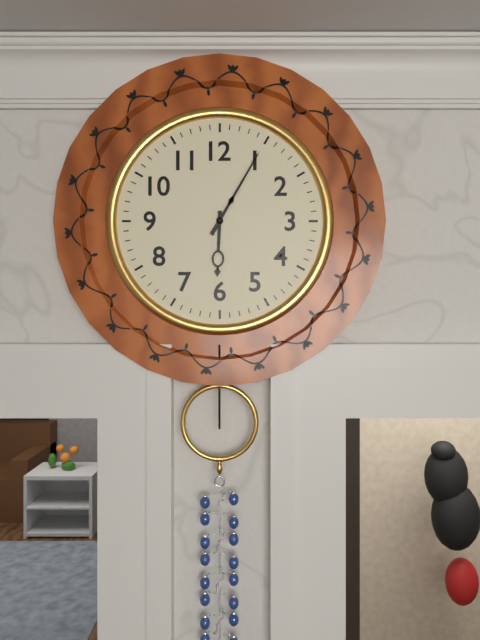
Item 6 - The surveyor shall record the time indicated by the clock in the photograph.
6:05
